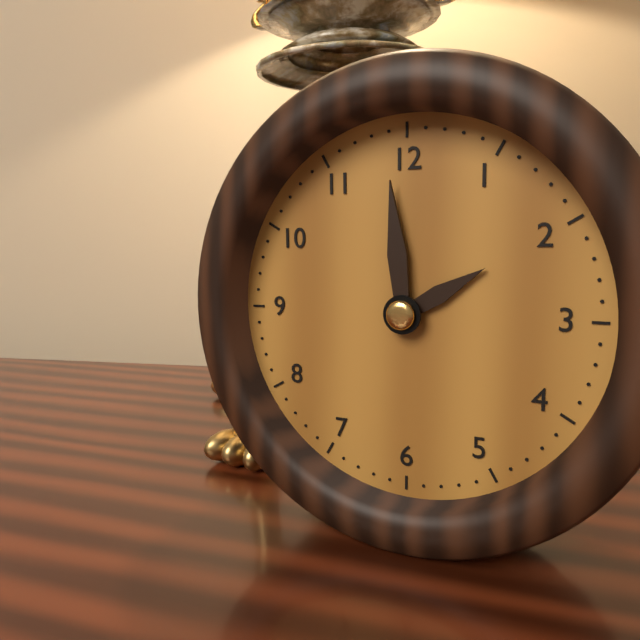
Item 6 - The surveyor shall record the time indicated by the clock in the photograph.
1:59
